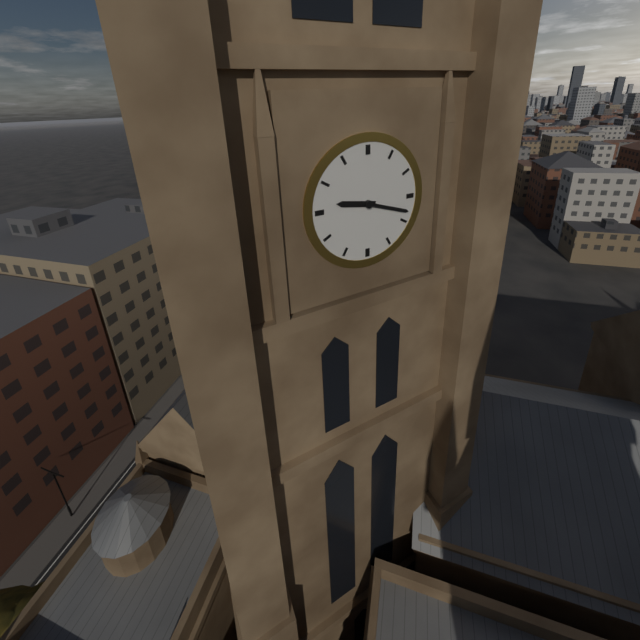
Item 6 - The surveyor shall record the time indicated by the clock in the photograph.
9:18
